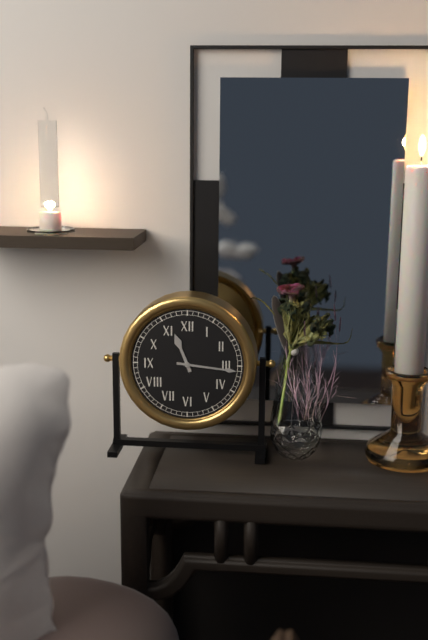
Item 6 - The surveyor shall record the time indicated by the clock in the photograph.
11:16
